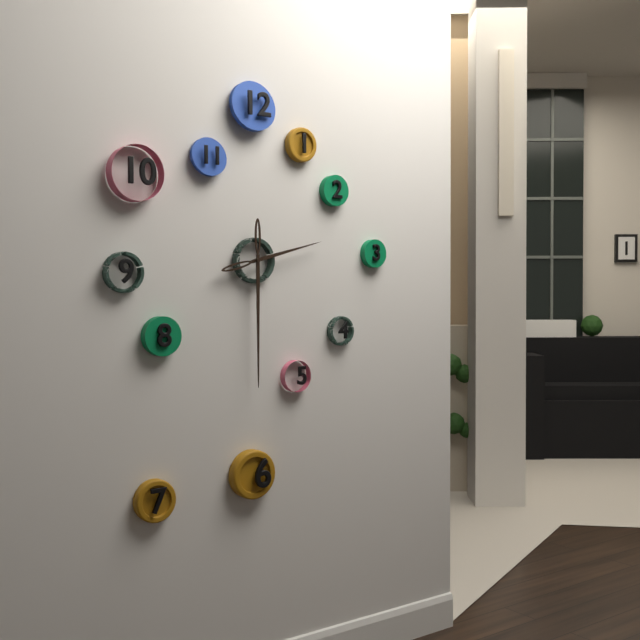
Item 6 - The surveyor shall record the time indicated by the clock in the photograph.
2:30
